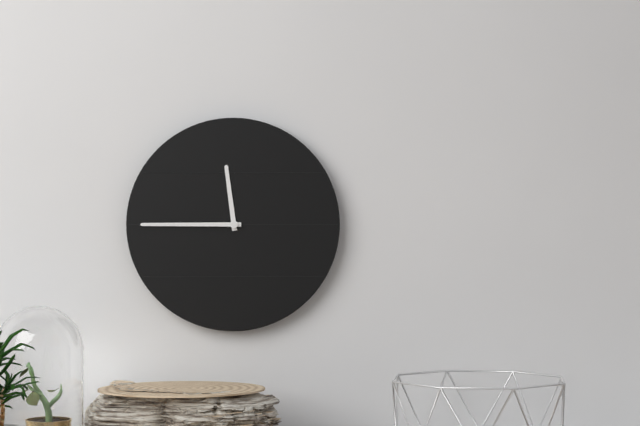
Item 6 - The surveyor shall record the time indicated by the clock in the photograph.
11:45
